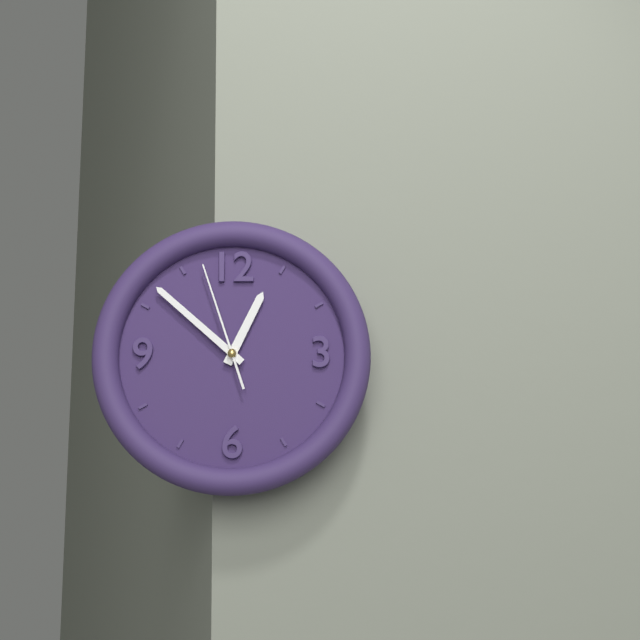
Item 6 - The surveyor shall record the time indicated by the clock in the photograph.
12:52:57
